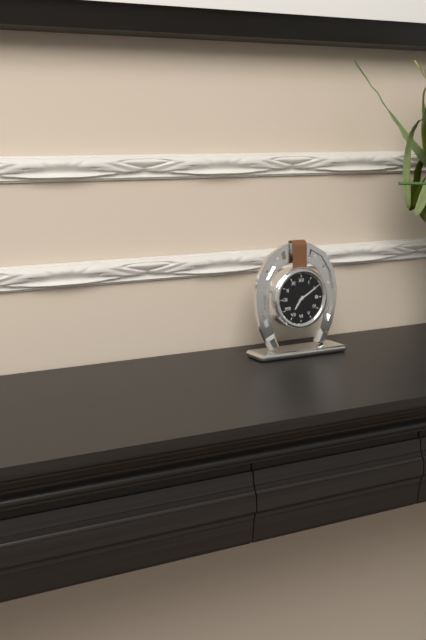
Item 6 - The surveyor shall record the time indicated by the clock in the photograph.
7:10
